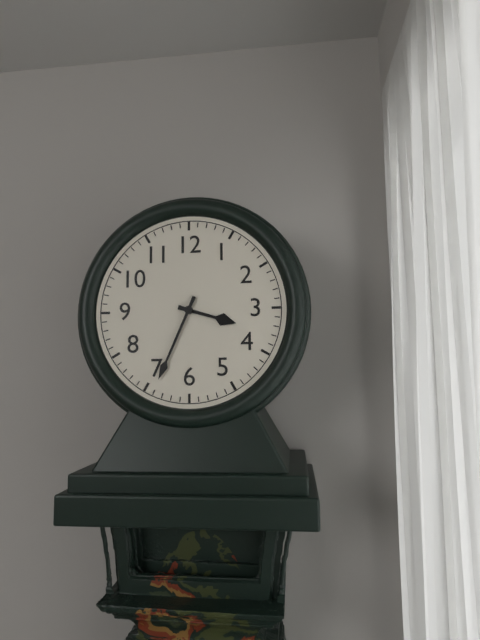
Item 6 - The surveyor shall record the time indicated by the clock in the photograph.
3:34
